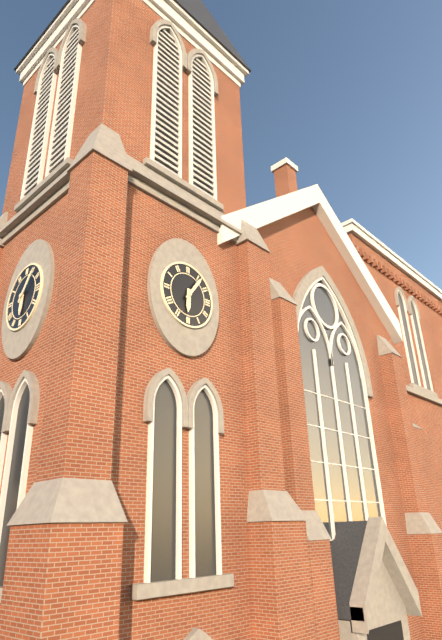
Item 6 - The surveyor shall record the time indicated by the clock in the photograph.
6:06
